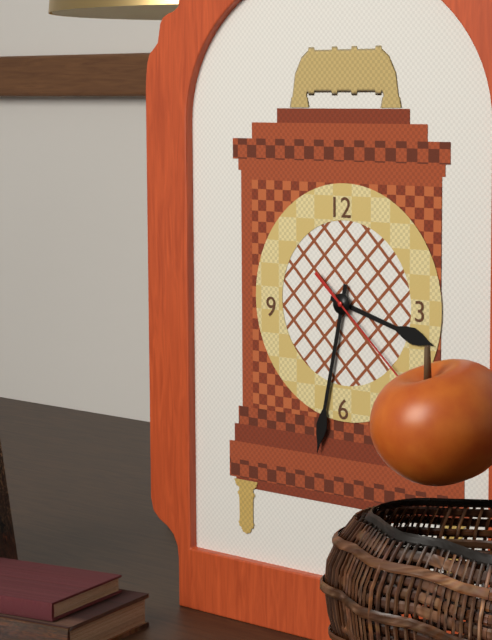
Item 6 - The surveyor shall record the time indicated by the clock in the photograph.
3:32
